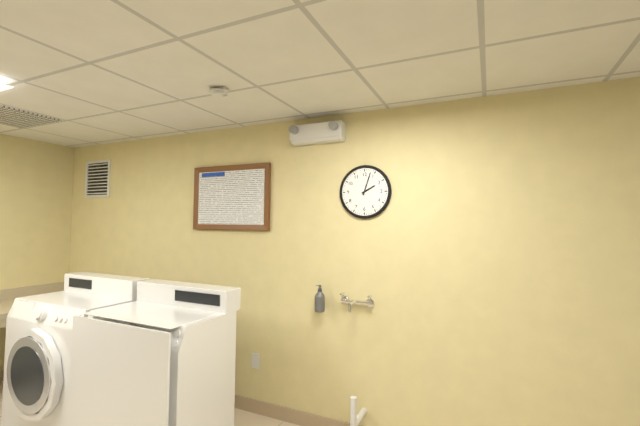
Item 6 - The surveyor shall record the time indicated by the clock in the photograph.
2:03
